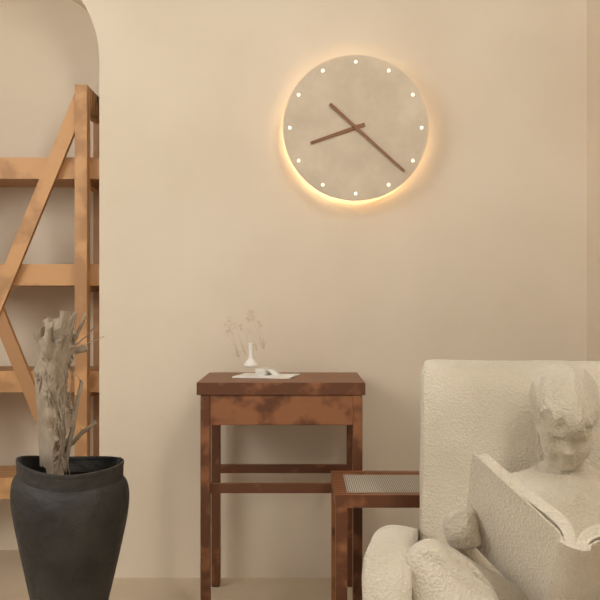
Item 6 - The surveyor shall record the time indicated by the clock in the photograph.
8:22
